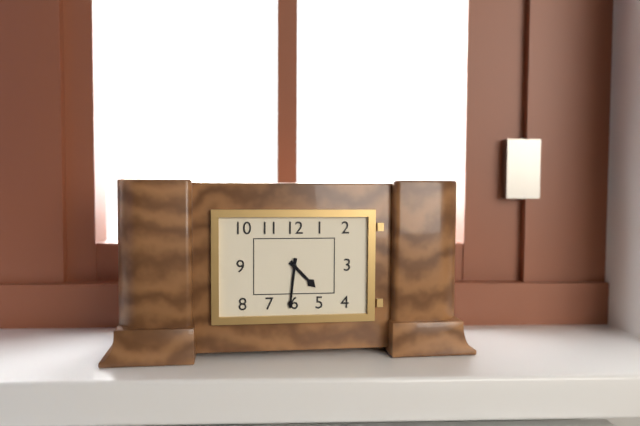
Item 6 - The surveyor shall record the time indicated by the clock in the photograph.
4:31
